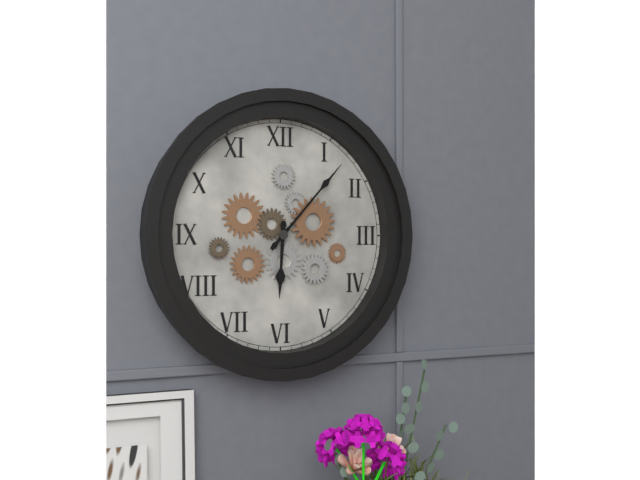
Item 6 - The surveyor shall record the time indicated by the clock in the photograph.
6:07
